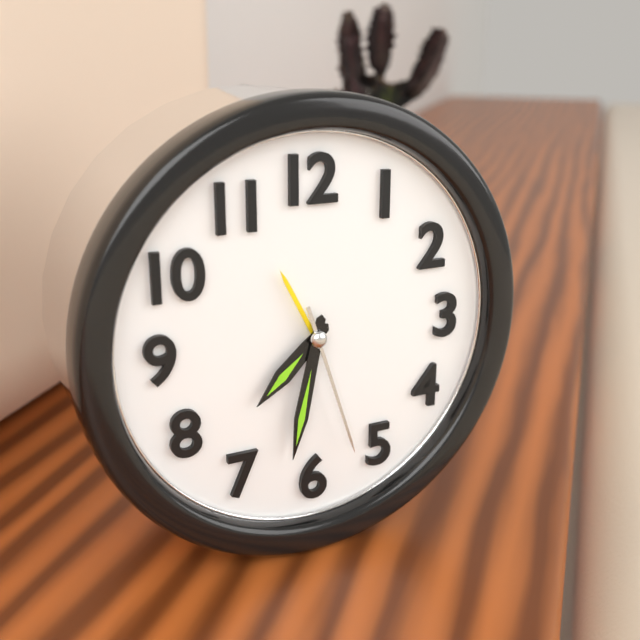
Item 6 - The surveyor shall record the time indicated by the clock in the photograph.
7:32:27
